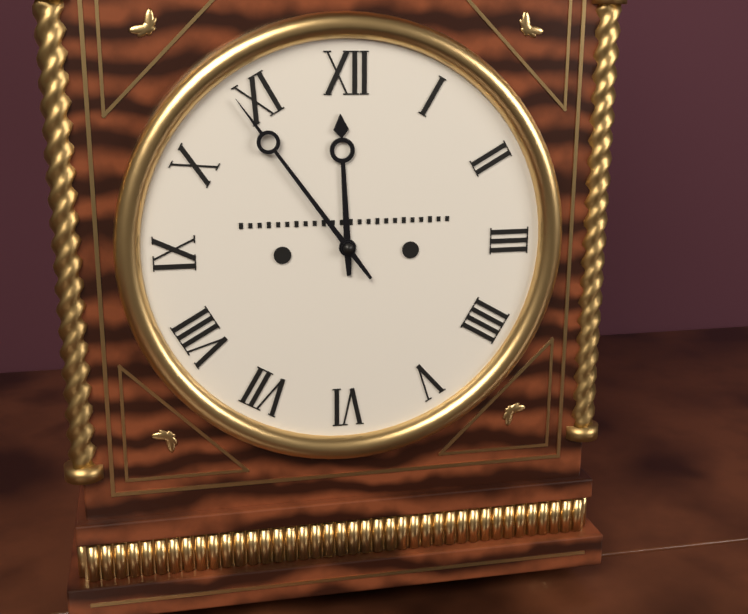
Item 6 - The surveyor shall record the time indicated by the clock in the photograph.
11:54
